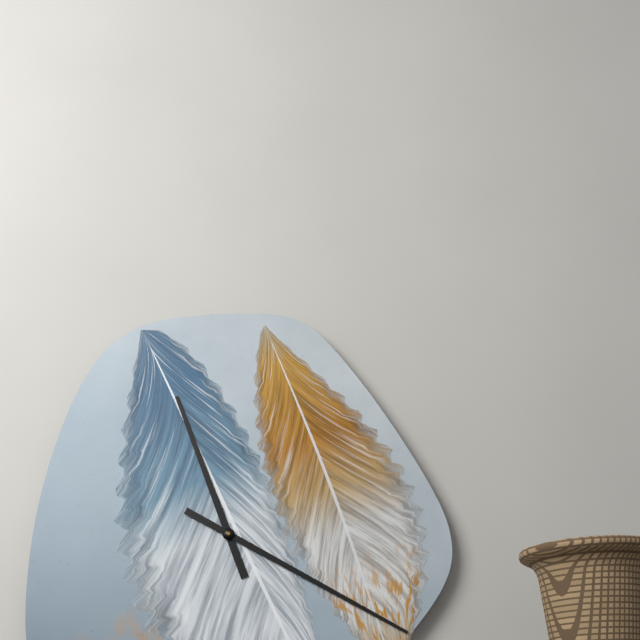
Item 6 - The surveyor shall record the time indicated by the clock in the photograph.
11:20
